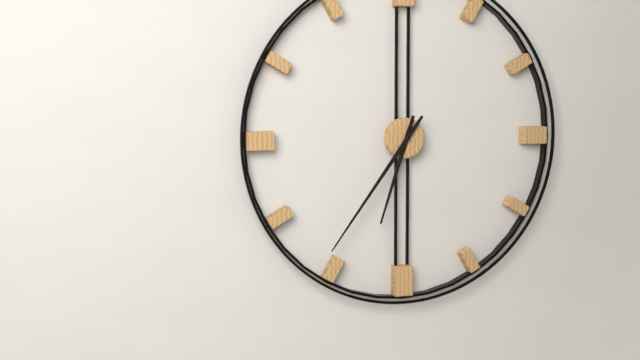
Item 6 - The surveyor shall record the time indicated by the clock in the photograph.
6:36
